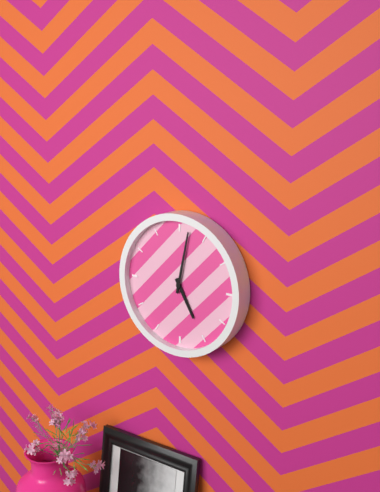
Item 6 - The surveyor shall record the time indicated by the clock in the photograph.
5:02
